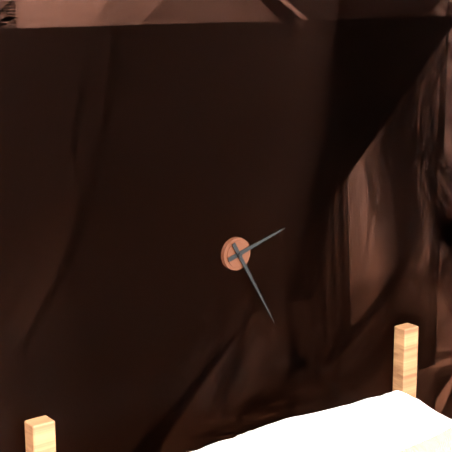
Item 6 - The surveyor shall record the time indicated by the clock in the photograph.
2:25
